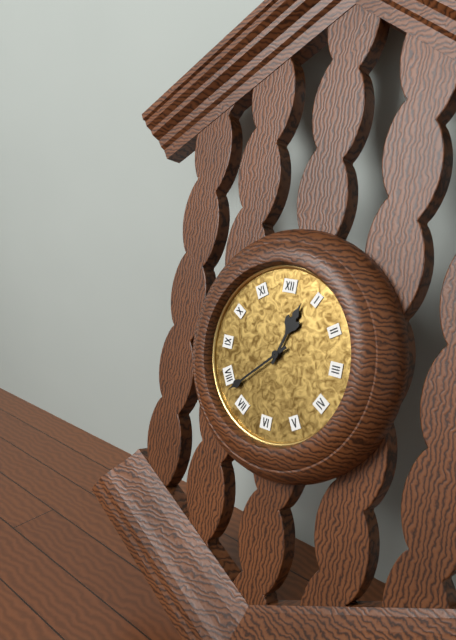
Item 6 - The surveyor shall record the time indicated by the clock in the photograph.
12:38
